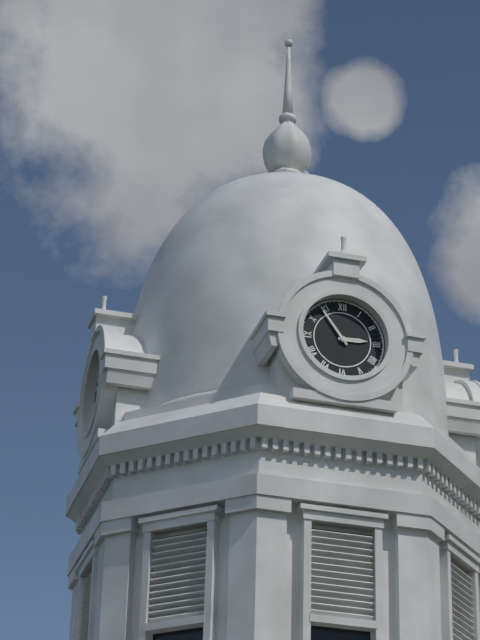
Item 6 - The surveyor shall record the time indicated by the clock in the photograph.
2:54
